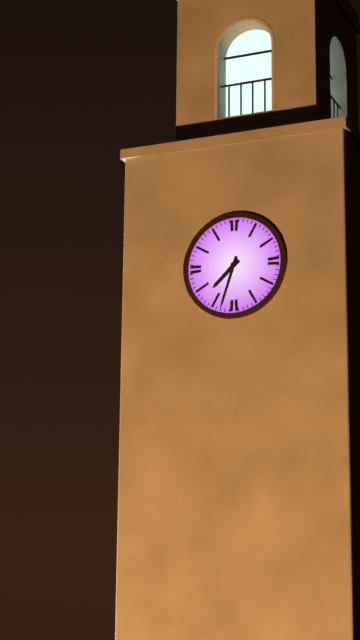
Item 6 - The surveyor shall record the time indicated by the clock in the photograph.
7:33
